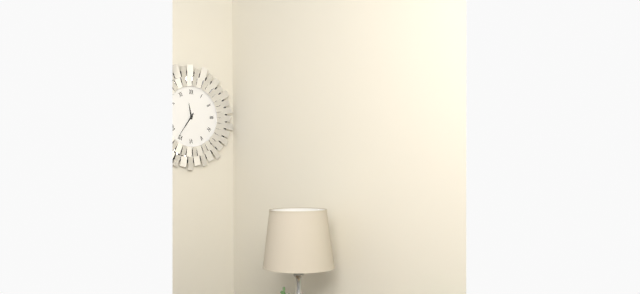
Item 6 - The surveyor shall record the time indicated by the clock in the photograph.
11:36
